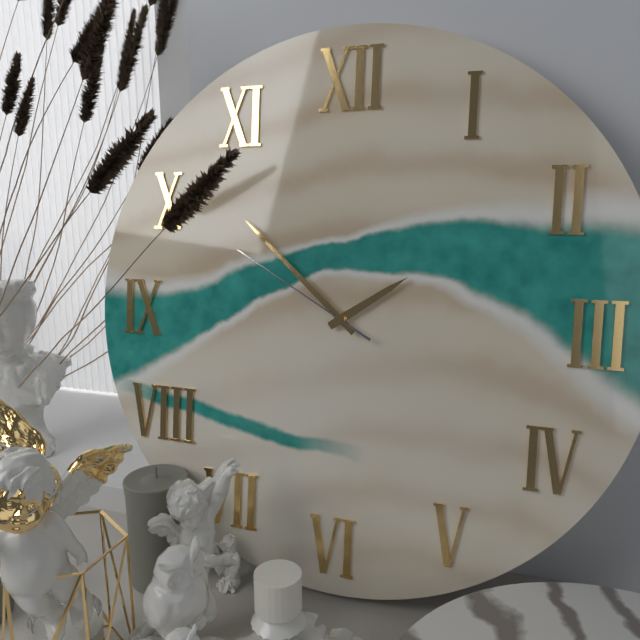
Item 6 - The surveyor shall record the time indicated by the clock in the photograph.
1:52:50
